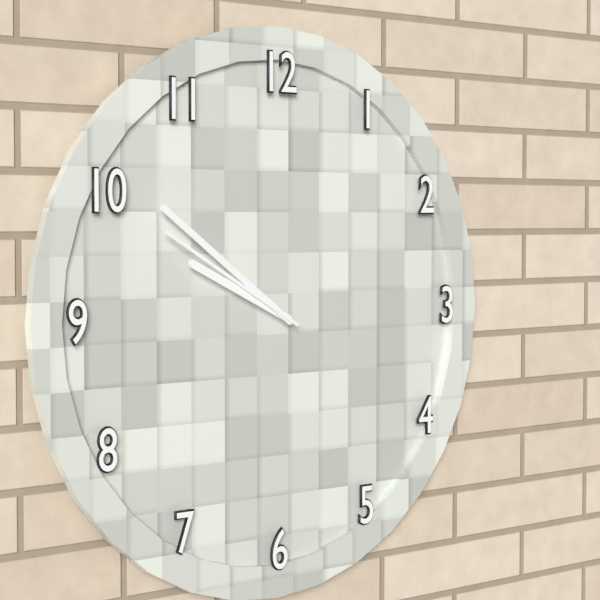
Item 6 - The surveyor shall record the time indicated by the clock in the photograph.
9:51:50
